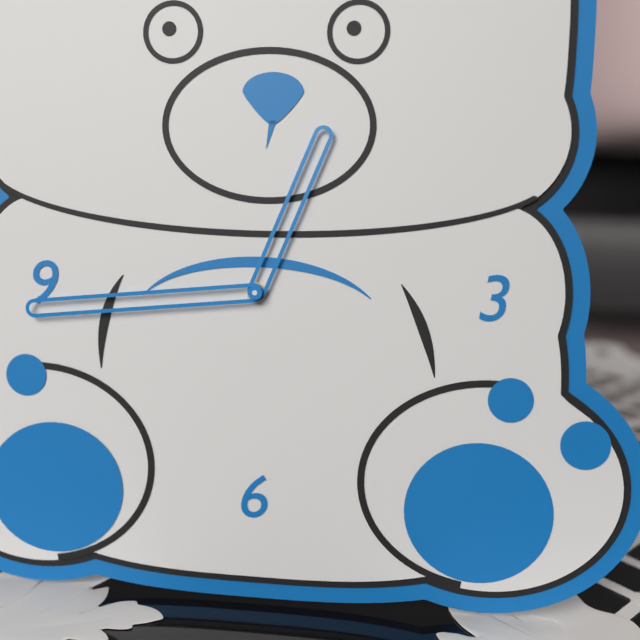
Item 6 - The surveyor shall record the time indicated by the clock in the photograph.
12:44
